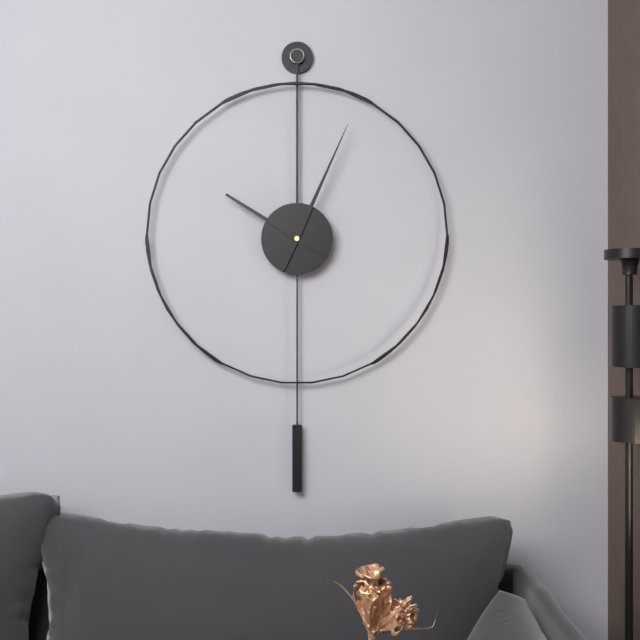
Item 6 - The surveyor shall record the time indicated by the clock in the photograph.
10:04
